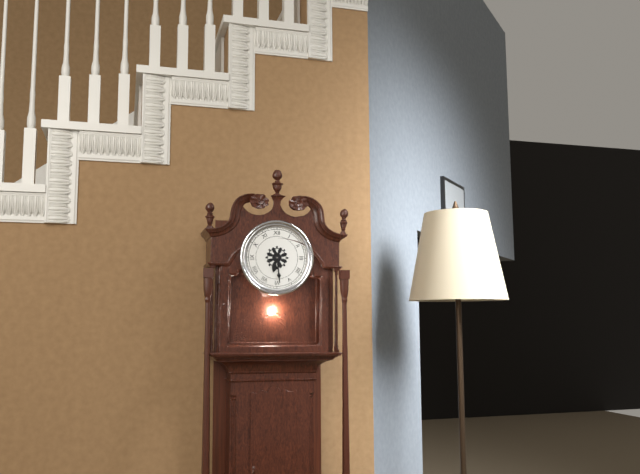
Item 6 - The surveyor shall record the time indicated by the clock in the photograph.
6:29
